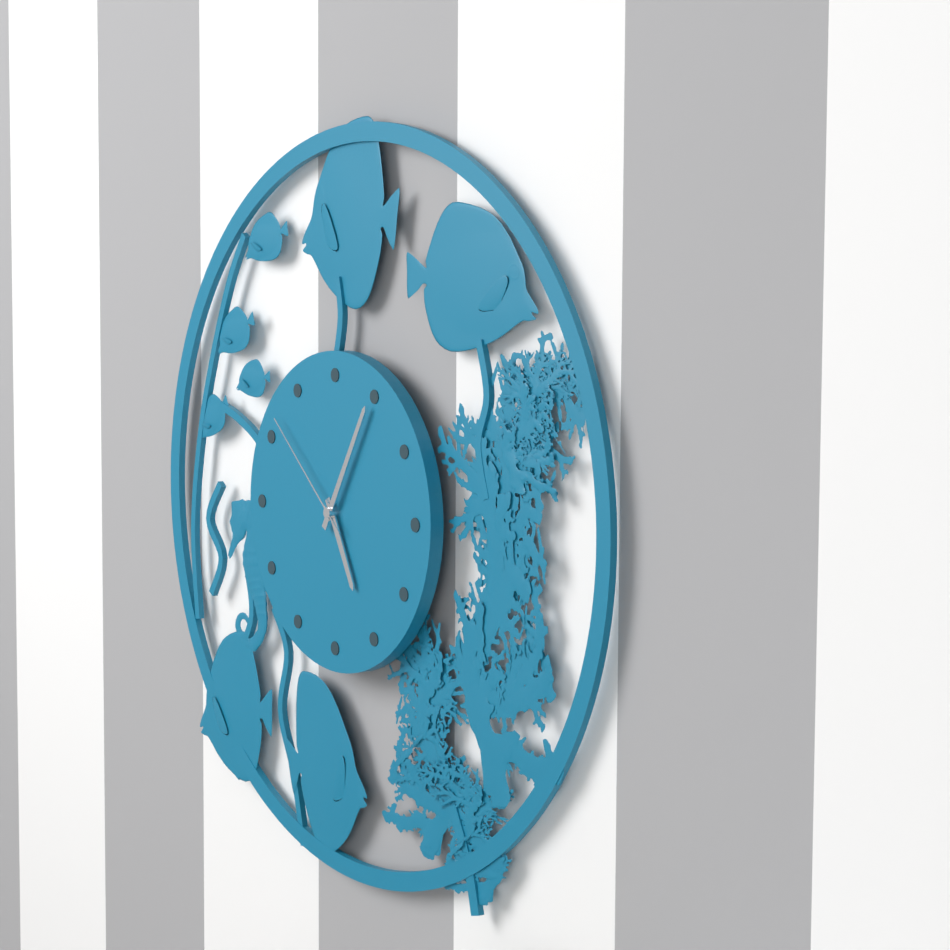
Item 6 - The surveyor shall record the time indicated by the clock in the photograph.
5:05:52
